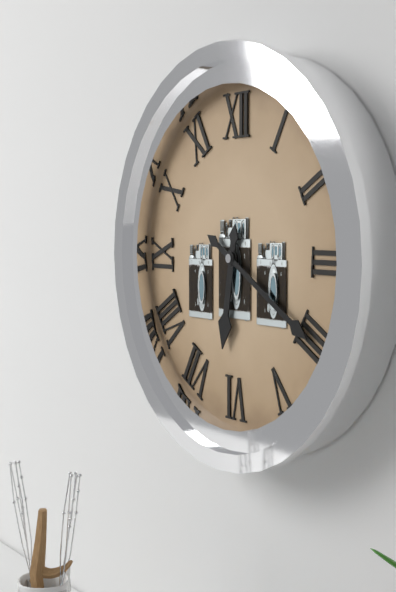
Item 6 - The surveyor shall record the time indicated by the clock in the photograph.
6:20
